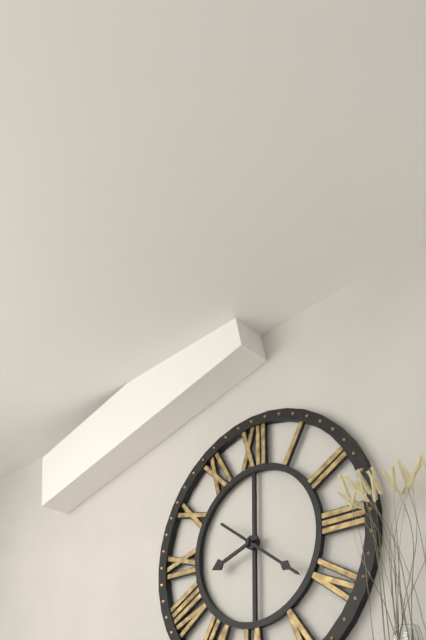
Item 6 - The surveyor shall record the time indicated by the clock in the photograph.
8:21
